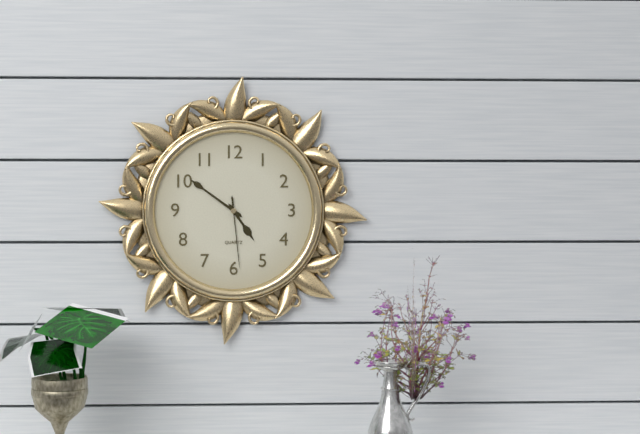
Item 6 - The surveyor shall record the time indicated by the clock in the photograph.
4:51:29
